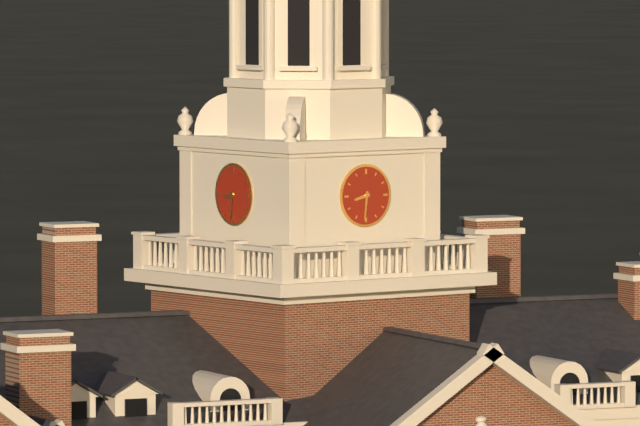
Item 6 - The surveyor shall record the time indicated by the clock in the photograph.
8:31
